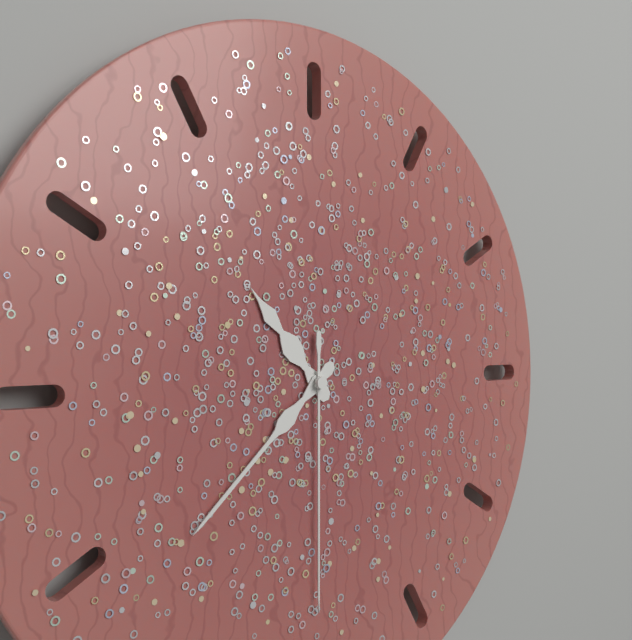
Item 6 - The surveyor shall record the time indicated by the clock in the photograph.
10:38:30
